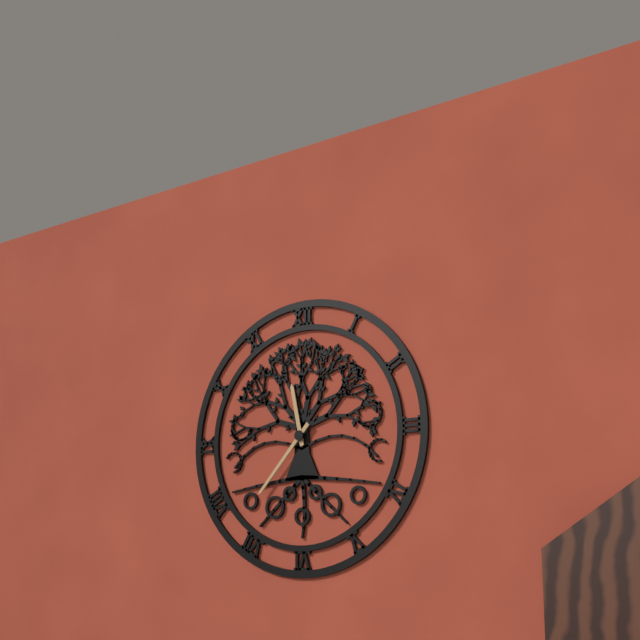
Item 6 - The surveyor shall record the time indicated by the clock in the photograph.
11:37
